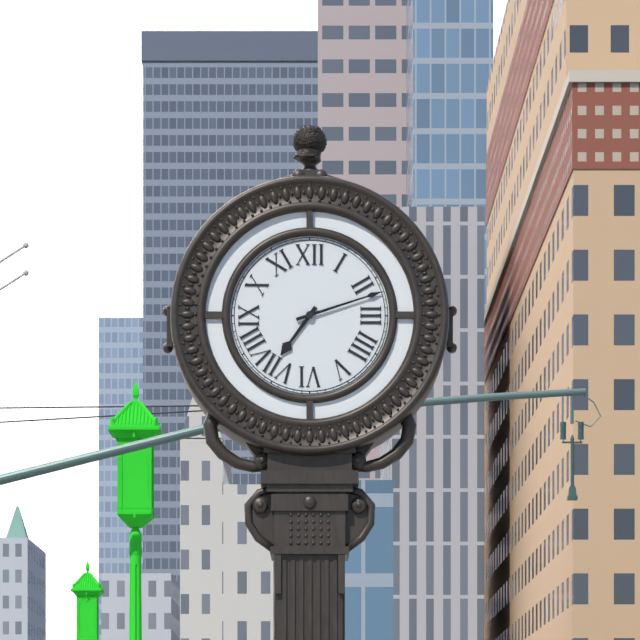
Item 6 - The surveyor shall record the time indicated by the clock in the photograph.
7:12
